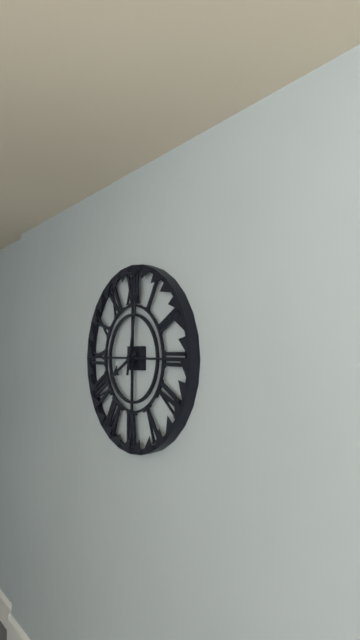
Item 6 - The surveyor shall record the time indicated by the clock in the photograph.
8:02
